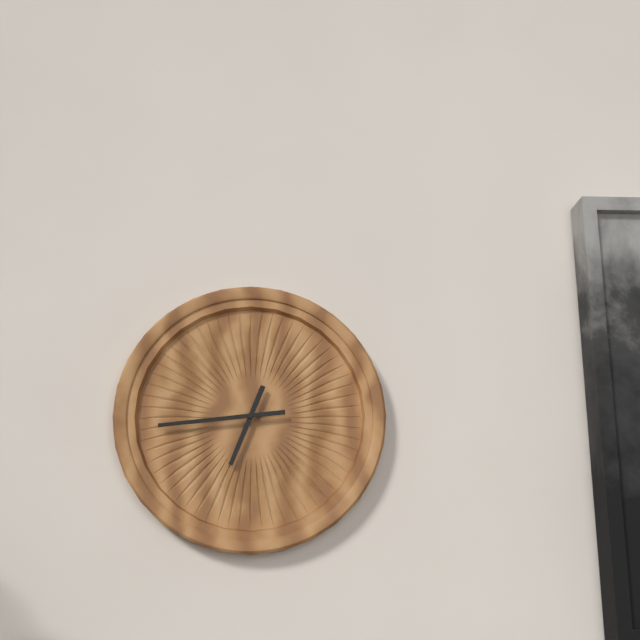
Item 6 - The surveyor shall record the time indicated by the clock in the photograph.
6:44
